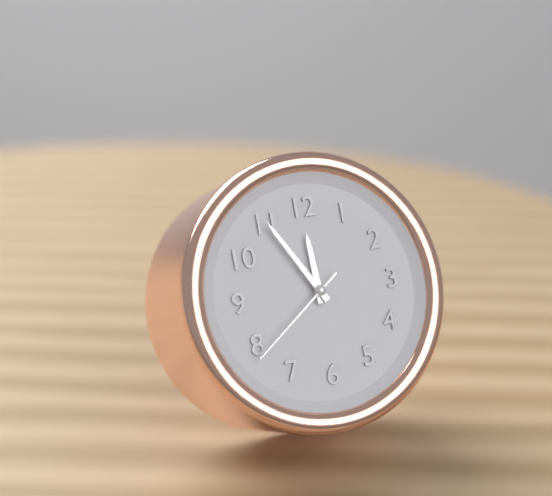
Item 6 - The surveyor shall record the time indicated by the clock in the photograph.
11:55:39
